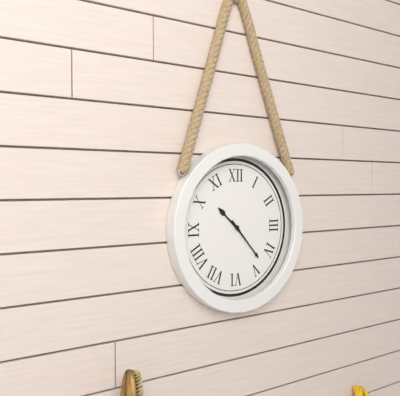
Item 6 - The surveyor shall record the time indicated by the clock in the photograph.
10:23
